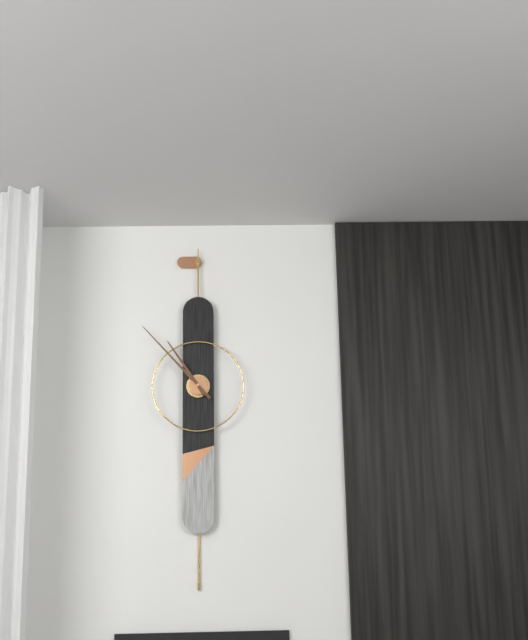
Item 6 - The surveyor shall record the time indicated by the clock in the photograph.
10:53
